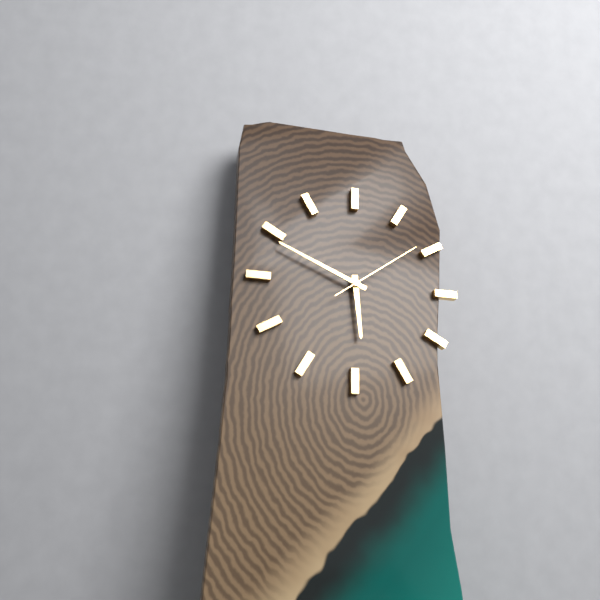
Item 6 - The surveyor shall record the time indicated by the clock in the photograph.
5:49:09
